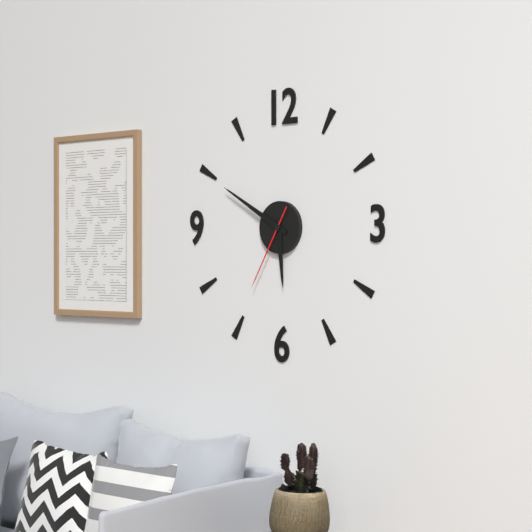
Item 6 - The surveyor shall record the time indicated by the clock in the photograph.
5:50:35
